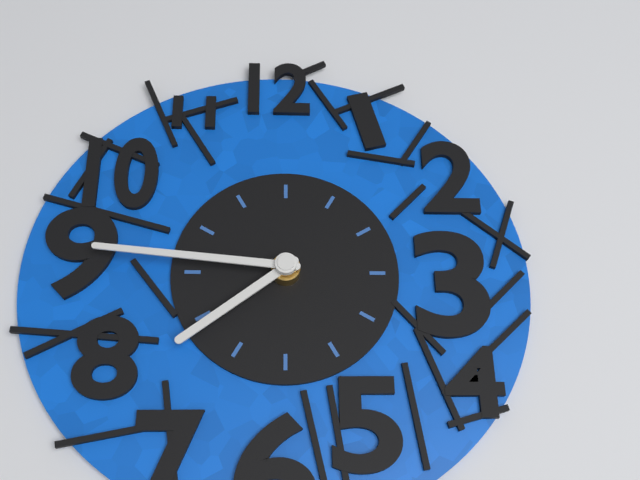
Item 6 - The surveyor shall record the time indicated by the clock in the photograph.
7:46
